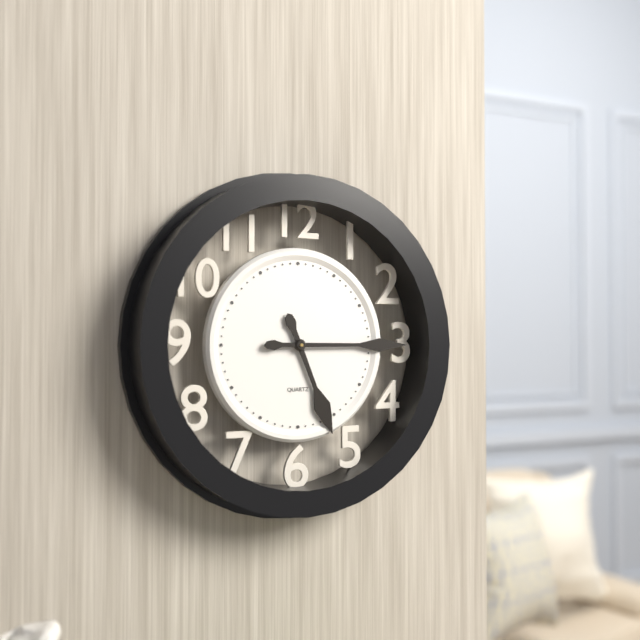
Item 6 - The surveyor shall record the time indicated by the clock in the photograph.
5:15
